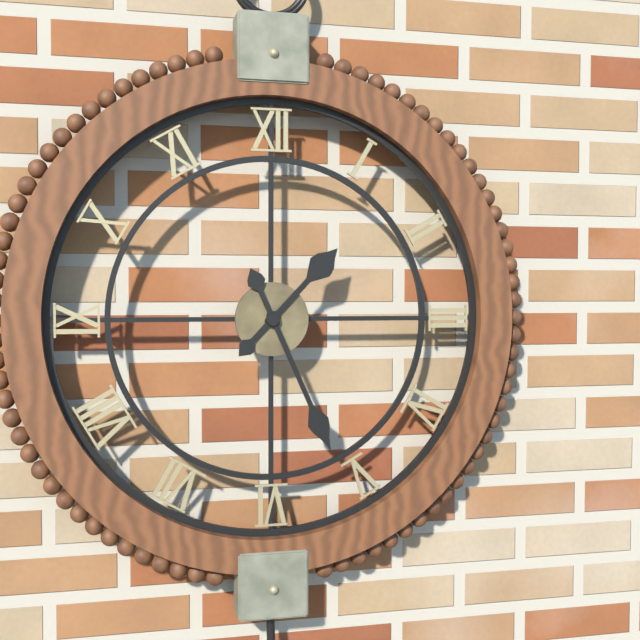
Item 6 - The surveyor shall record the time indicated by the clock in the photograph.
1:26
